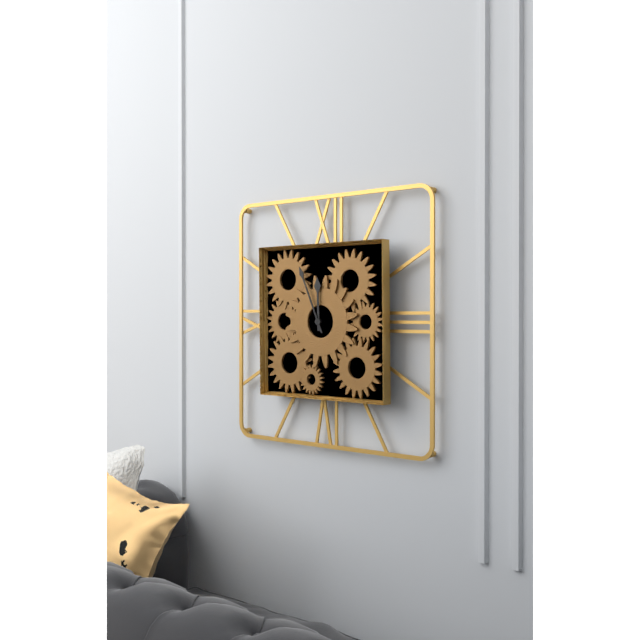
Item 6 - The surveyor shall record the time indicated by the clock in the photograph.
11:56
